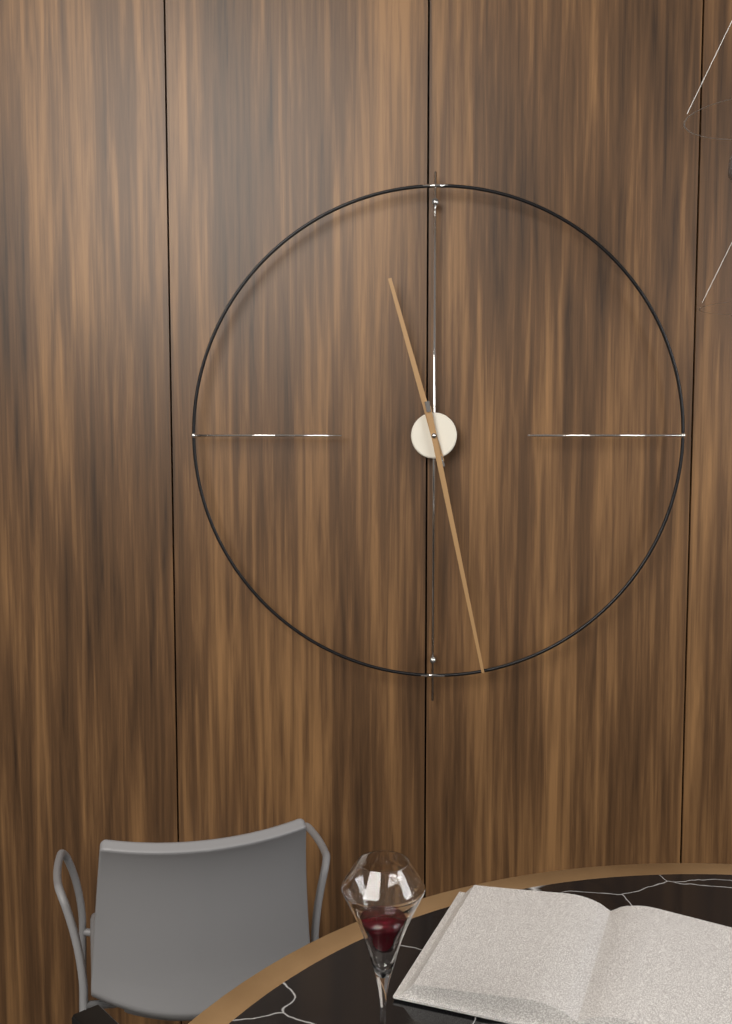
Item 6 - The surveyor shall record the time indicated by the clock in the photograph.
11:28
